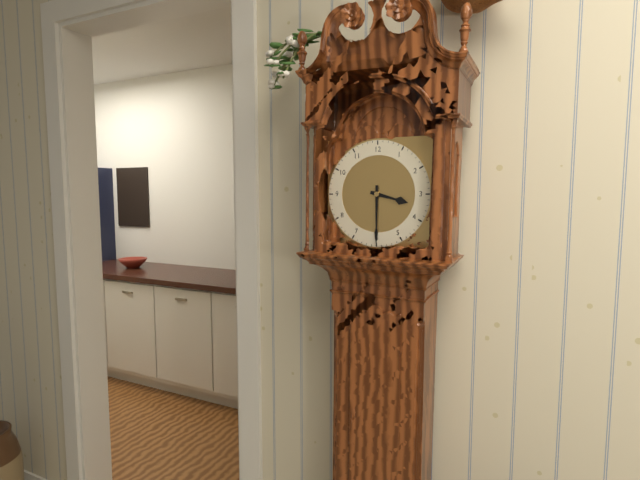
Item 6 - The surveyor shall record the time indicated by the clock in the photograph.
3:30
